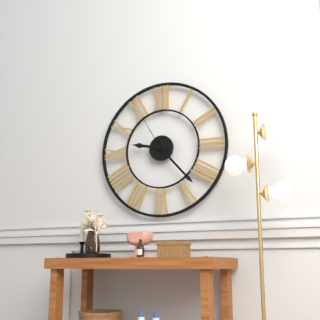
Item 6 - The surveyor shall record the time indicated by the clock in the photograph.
9:23
